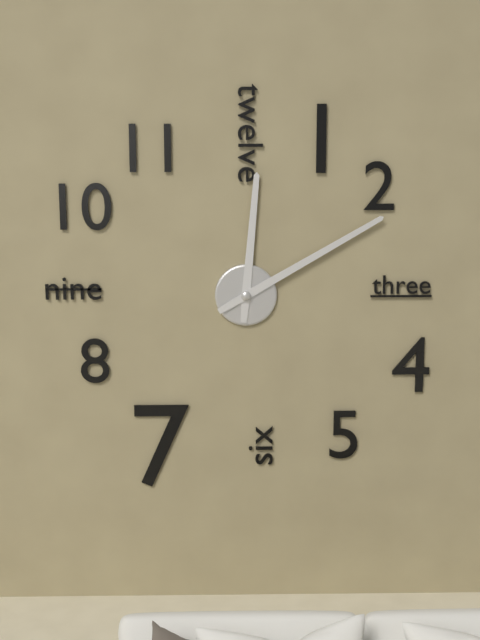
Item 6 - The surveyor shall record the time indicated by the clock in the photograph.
12:10
